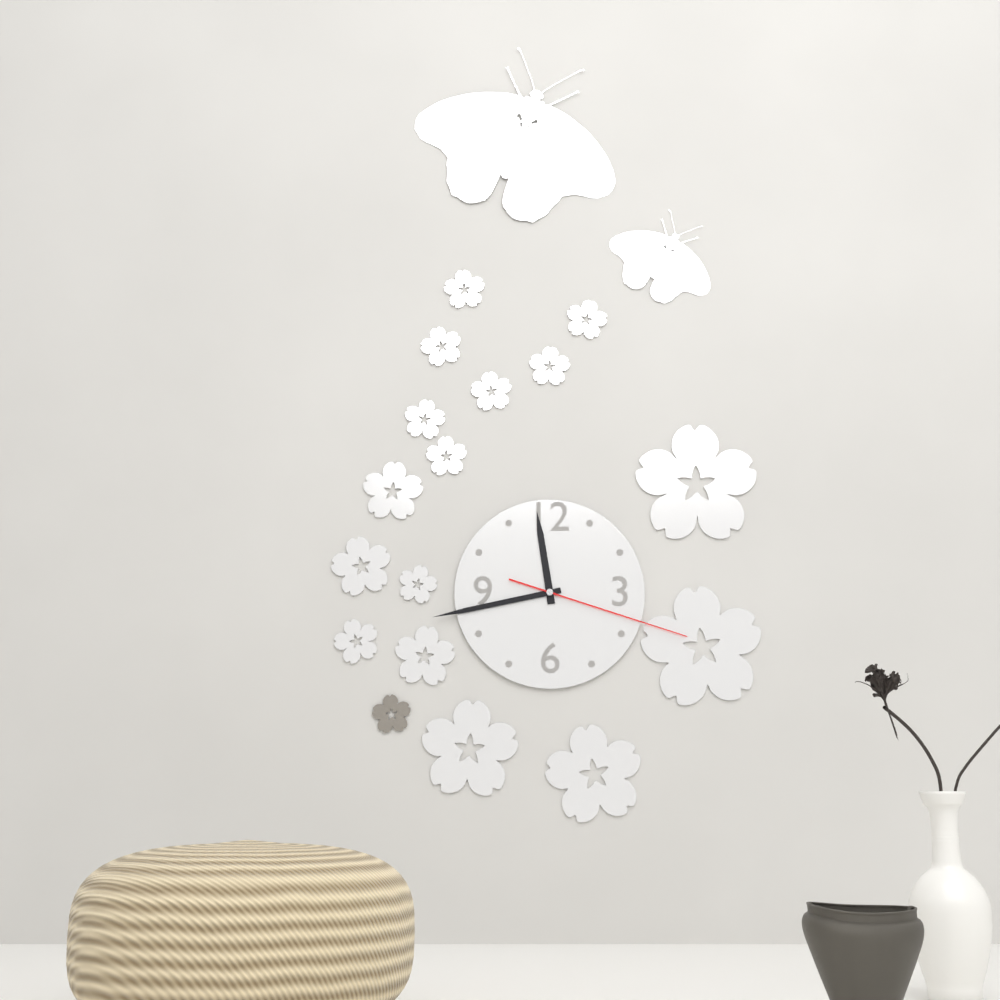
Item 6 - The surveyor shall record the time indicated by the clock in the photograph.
11:43:18
